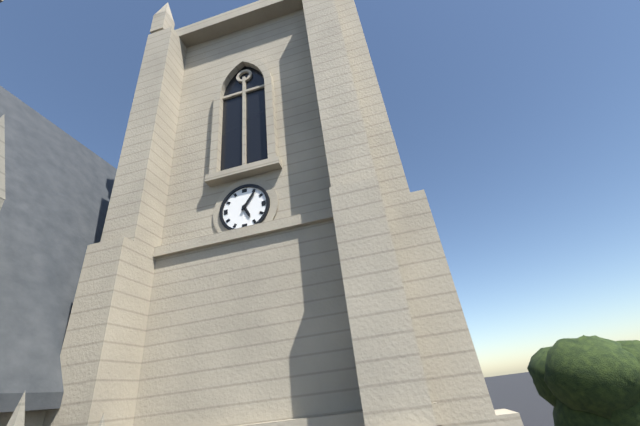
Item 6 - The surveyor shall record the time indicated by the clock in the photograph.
5:06
